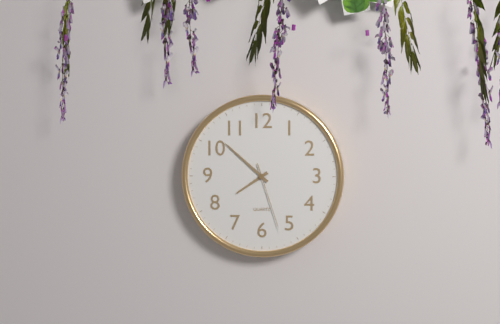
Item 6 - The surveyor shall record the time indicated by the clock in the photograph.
7:52:27
